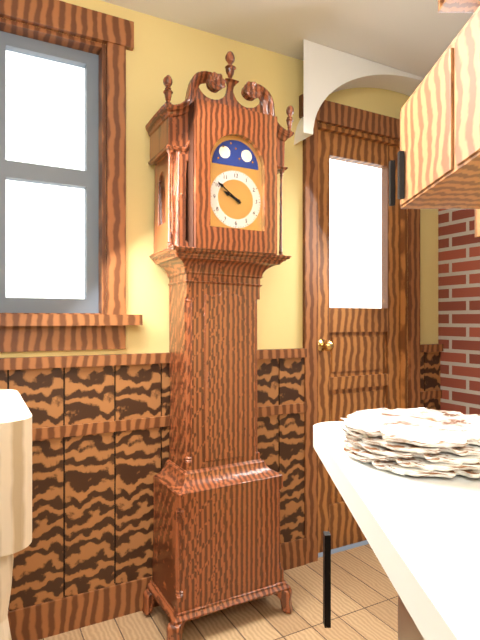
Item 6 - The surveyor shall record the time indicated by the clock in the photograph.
9:51
